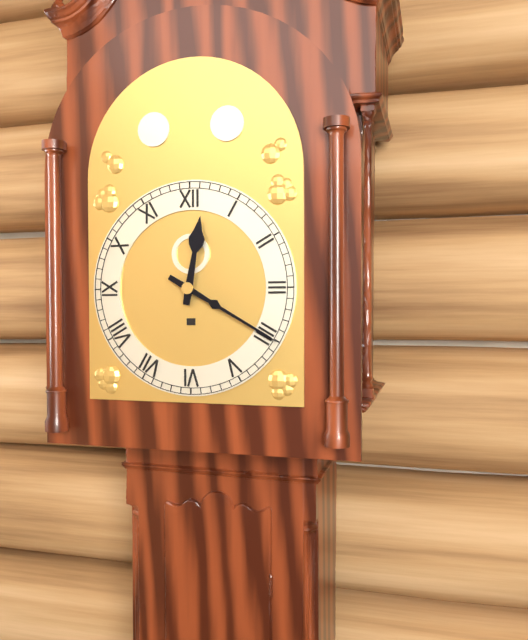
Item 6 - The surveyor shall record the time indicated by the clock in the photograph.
12:20
